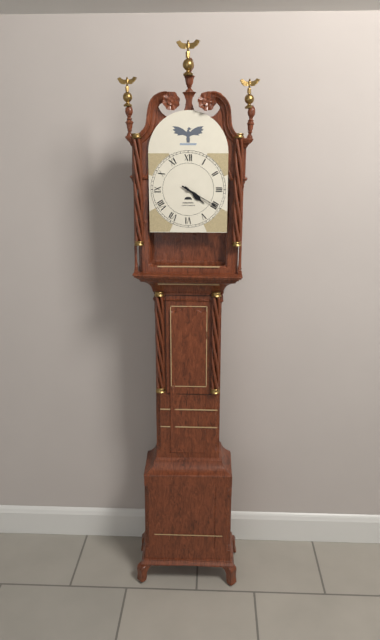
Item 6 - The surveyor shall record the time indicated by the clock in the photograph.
4:20
